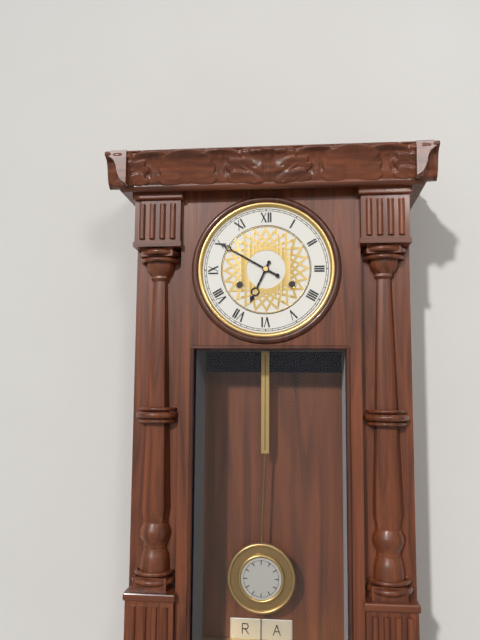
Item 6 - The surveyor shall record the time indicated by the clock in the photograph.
6:50
